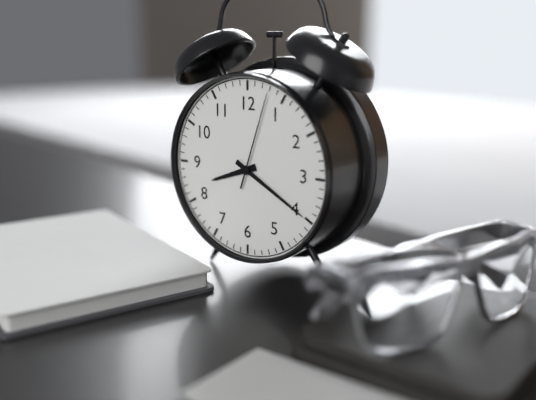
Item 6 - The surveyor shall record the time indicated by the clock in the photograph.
8:20:03
